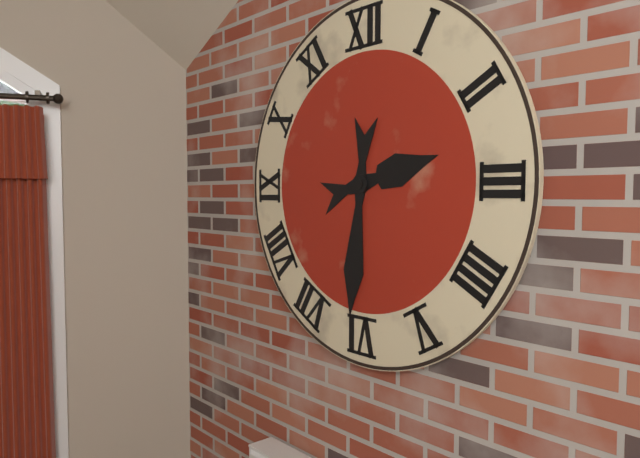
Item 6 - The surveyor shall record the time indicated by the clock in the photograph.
2:31
